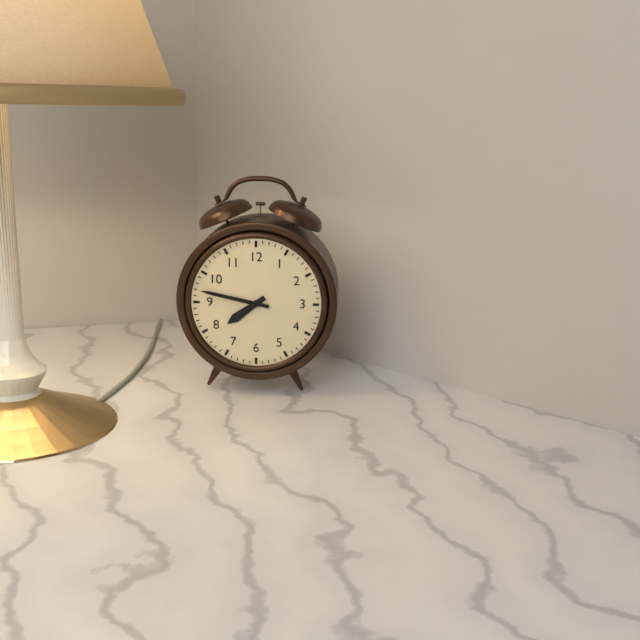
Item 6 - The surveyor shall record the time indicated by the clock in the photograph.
7:47
